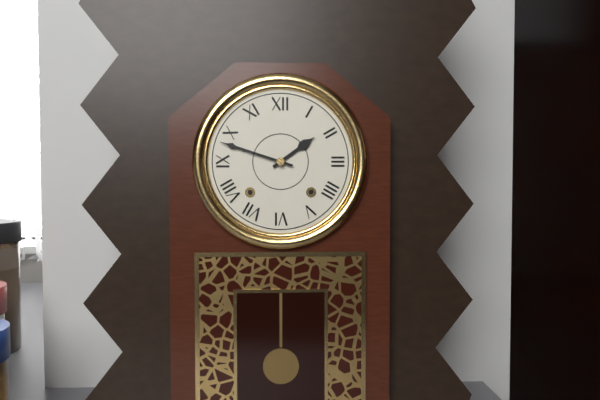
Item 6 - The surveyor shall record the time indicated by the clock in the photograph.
1:48
